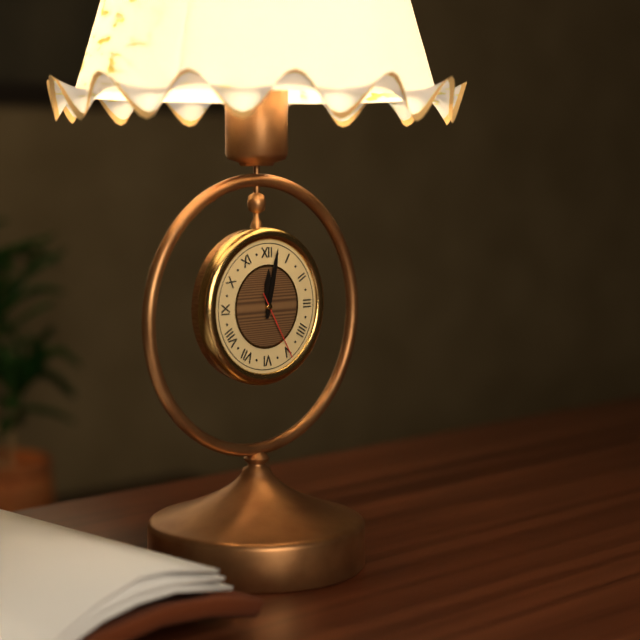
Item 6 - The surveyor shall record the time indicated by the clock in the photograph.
12:02:25
